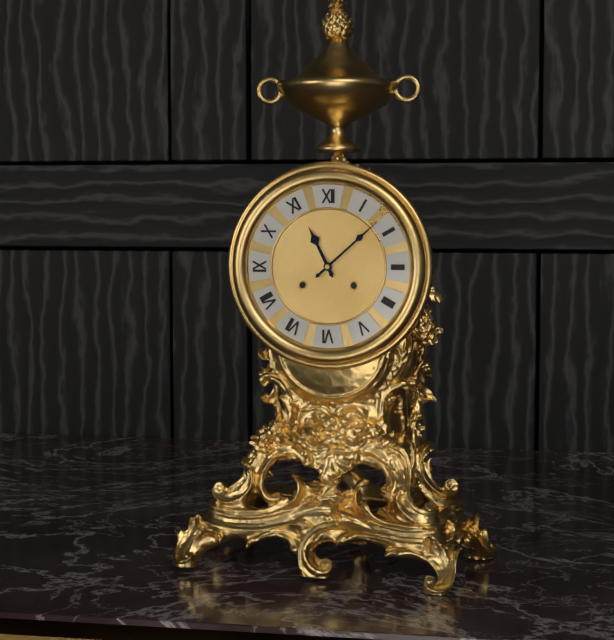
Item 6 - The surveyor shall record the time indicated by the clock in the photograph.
11:08
